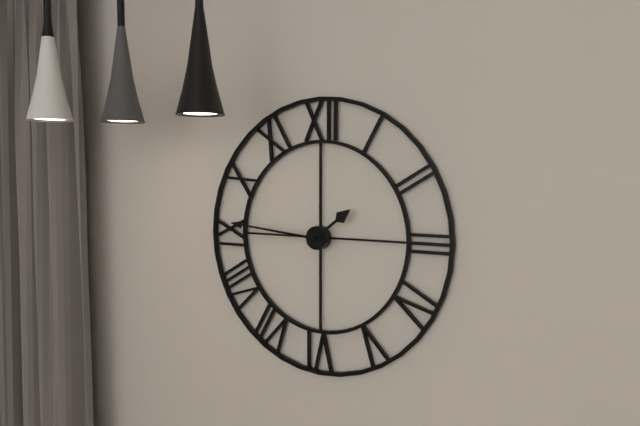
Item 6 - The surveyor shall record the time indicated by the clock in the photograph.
1:46
